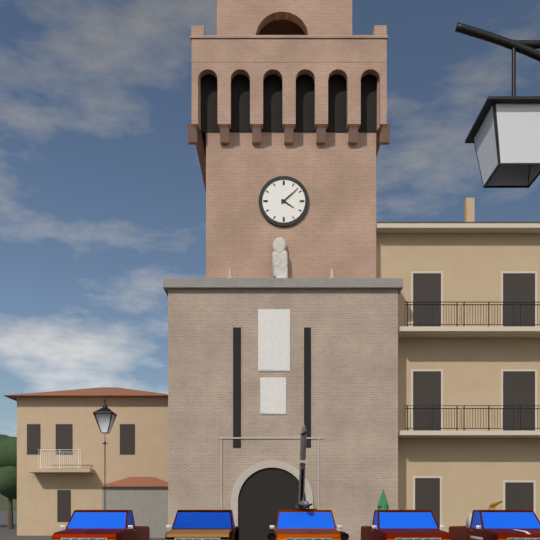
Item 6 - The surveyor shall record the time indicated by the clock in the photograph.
4:08
